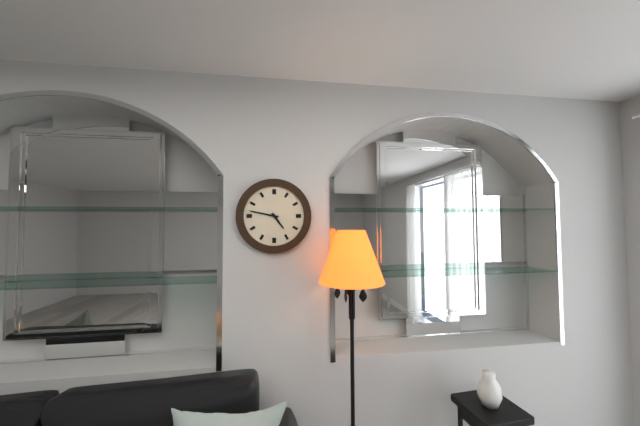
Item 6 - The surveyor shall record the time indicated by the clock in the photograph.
4:47
